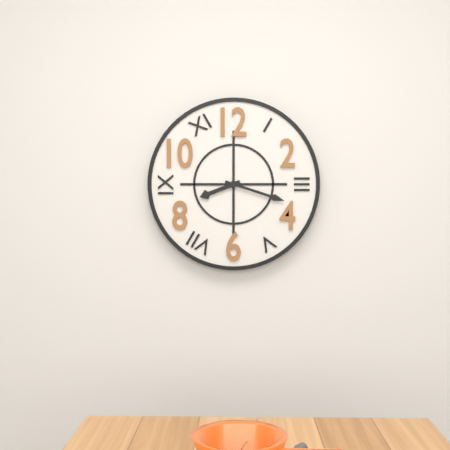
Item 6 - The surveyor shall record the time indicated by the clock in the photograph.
8:18
